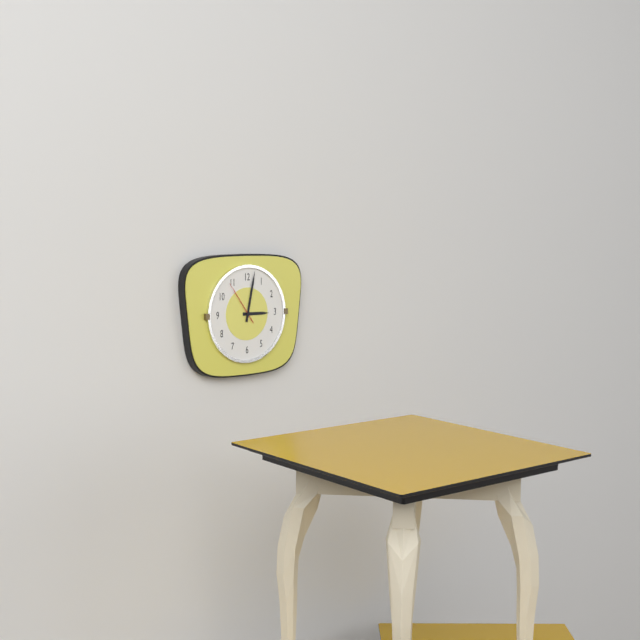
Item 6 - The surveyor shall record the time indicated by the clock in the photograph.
3:02
